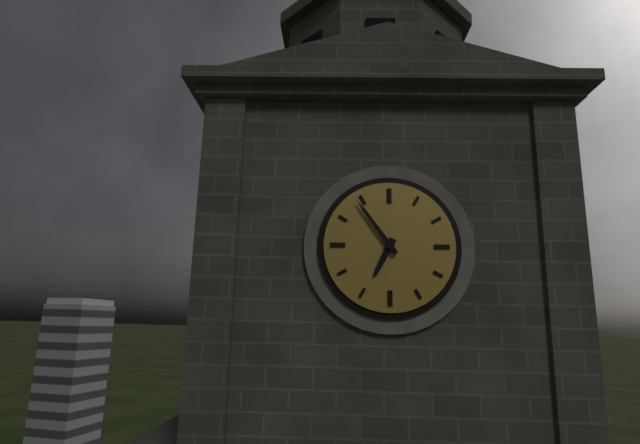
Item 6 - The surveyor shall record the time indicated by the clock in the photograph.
6:54
